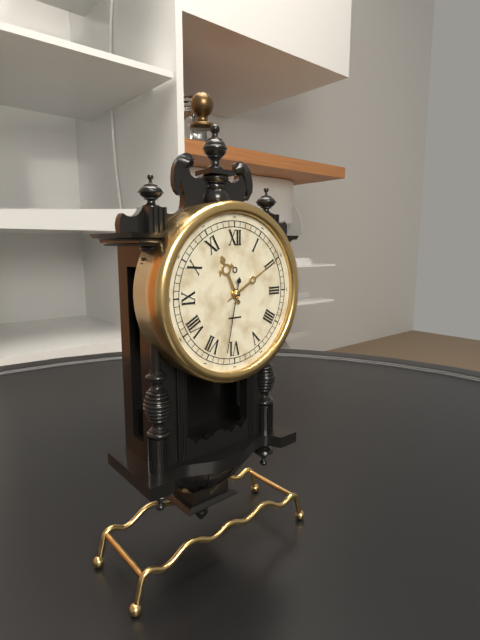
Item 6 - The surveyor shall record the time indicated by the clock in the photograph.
11:10:32
